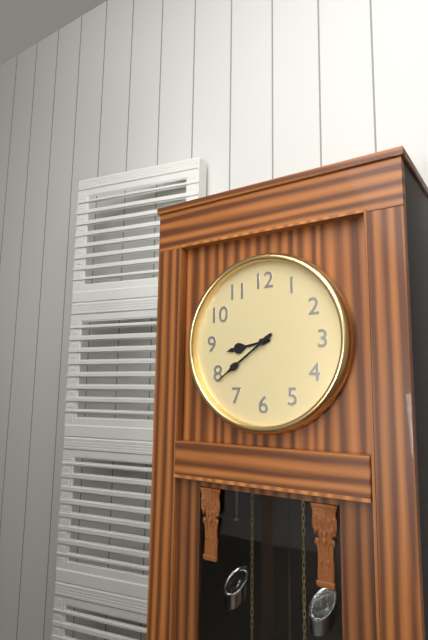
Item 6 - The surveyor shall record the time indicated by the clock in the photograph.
8:39
